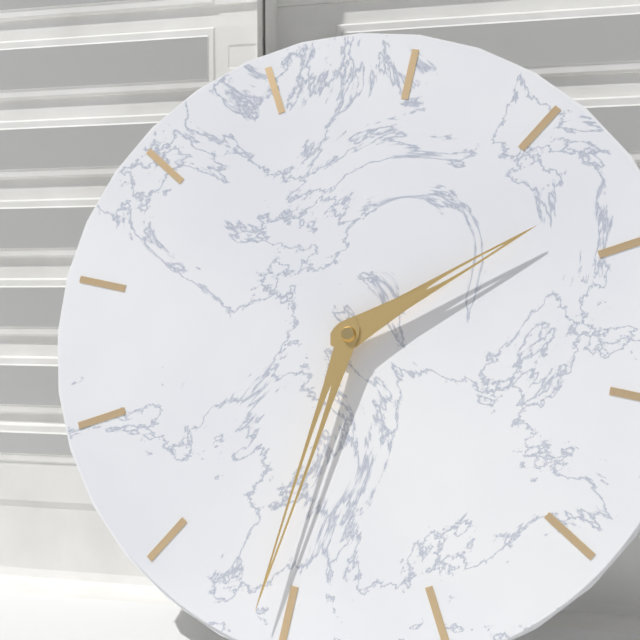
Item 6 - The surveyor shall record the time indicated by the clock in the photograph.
2:36
